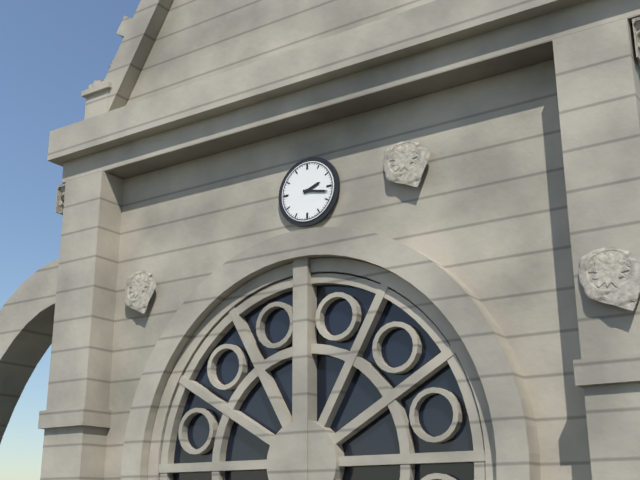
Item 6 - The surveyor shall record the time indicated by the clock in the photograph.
2:17
